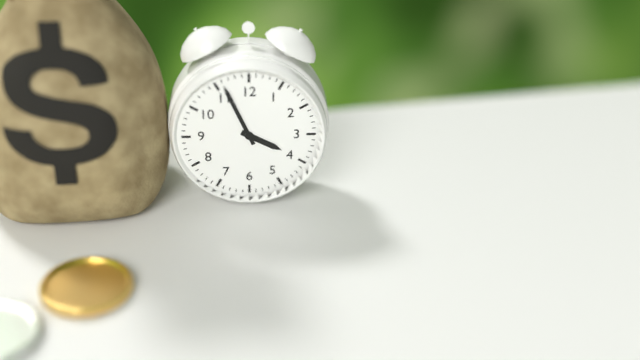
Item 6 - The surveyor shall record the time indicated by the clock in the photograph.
3:56
